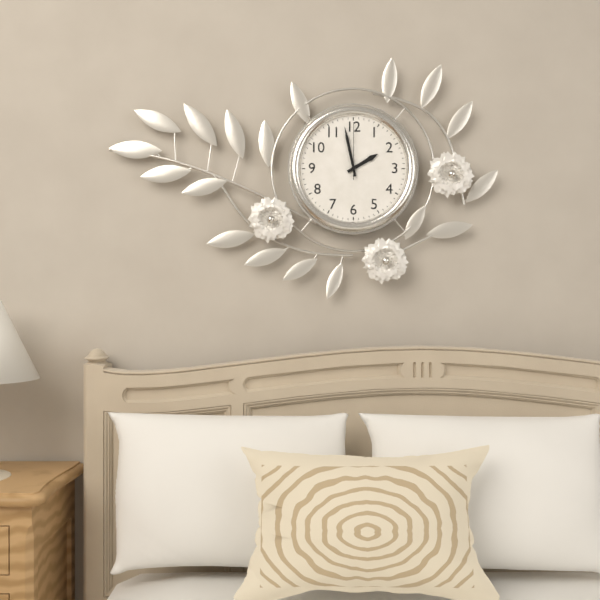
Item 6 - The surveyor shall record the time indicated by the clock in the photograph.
1:58:00
